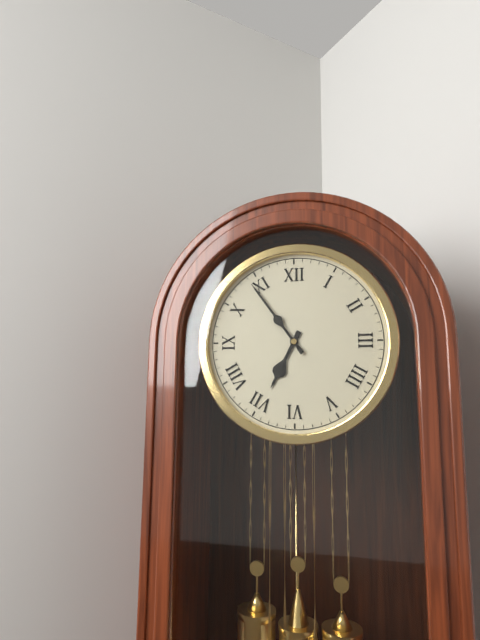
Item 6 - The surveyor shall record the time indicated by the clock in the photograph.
6:54
